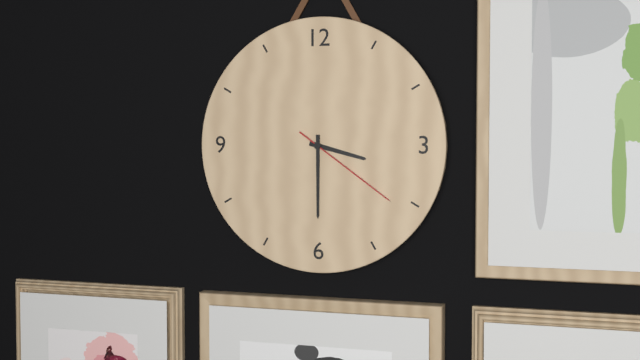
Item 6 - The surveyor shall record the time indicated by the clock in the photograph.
3:30:21
